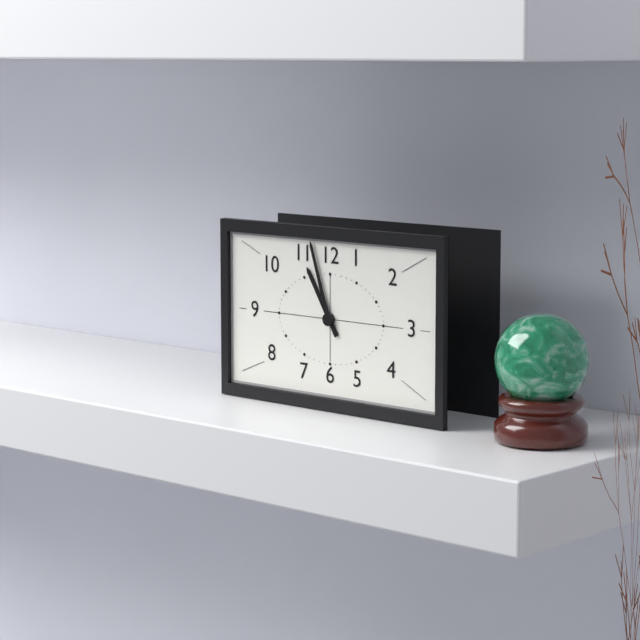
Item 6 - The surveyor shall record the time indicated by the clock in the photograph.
10:57
